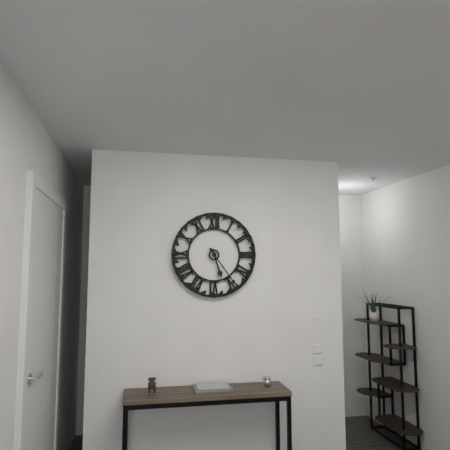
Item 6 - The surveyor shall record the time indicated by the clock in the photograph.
5:24
